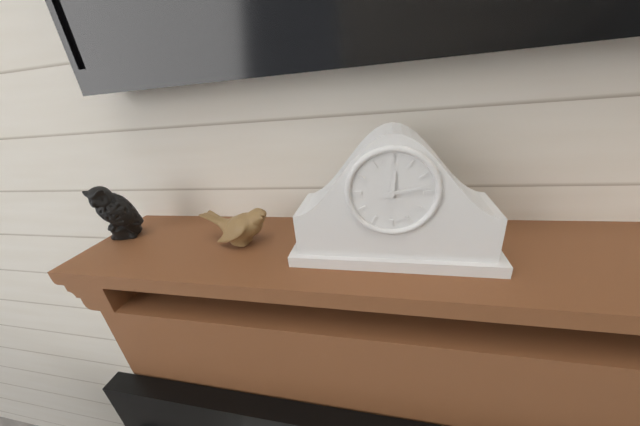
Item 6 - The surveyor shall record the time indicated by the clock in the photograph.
12:13
